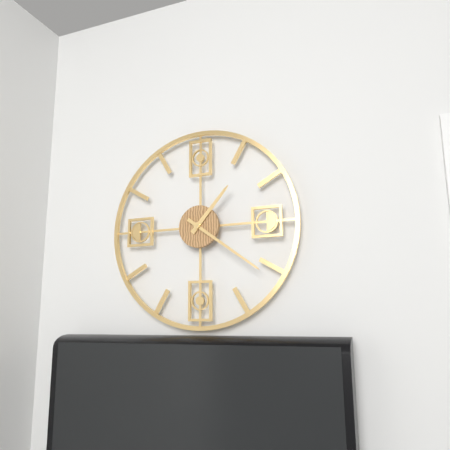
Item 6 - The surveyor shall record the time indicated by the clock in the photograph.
1:21
